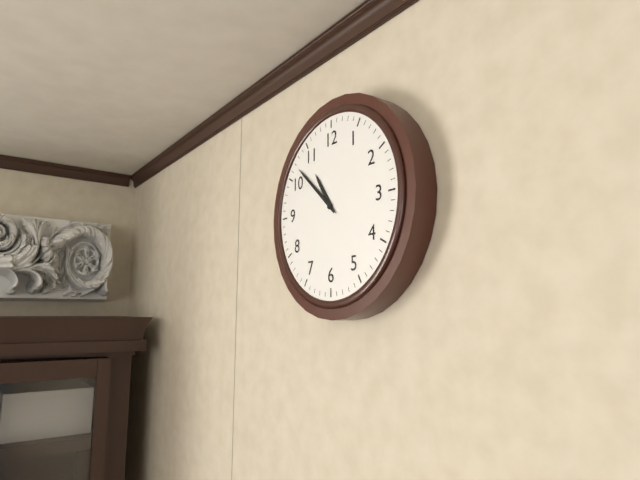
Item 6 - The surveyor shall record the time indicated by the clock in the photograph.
10:52
